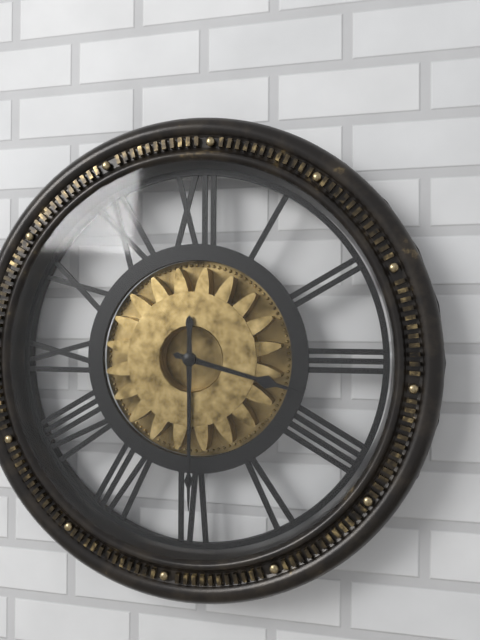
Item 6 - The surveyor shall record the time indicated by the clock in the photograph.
3:30
